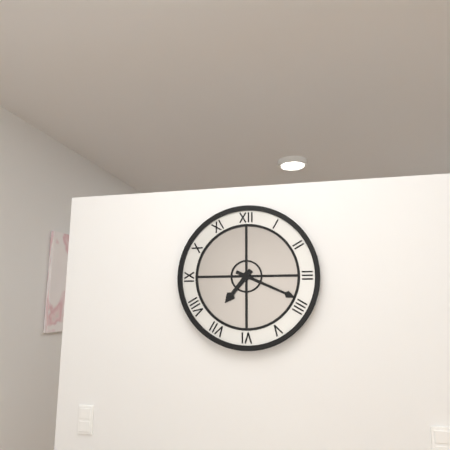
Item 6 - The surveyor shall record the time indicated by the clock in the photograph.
7:19
